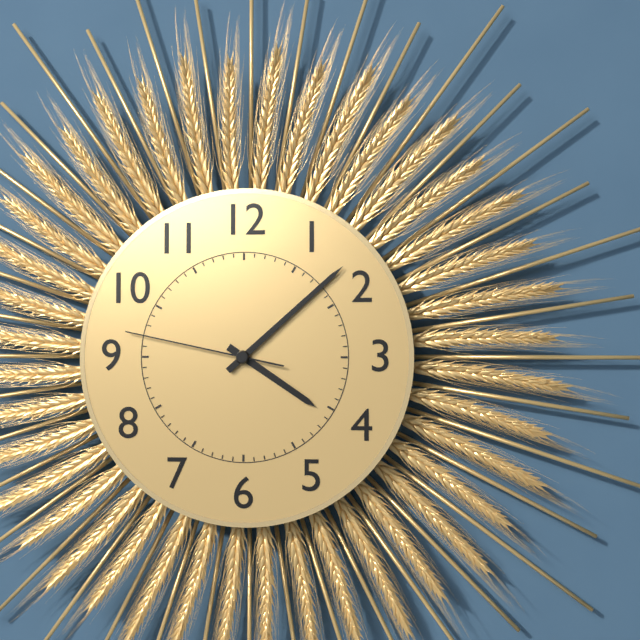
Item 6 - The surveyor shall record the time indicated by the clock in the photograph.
4:08:47
